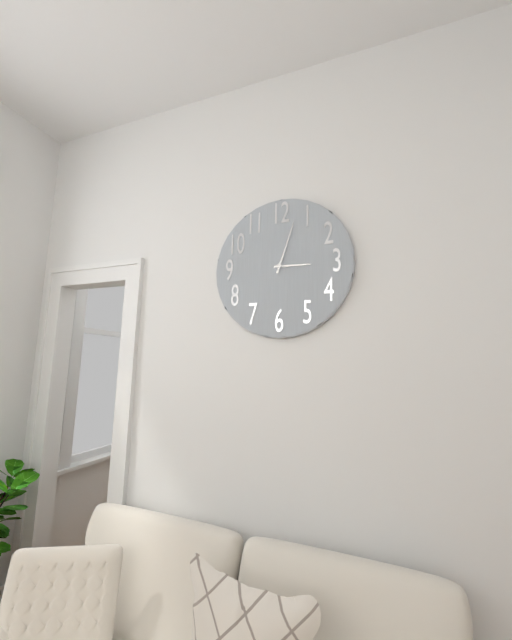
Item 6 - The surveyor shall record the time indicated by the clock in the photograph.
3:03
